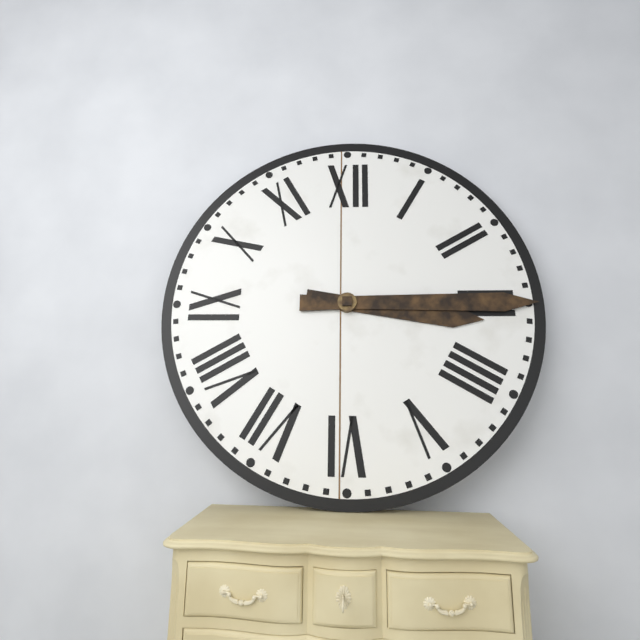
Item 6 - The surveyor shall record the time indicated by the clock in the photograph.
3:15
